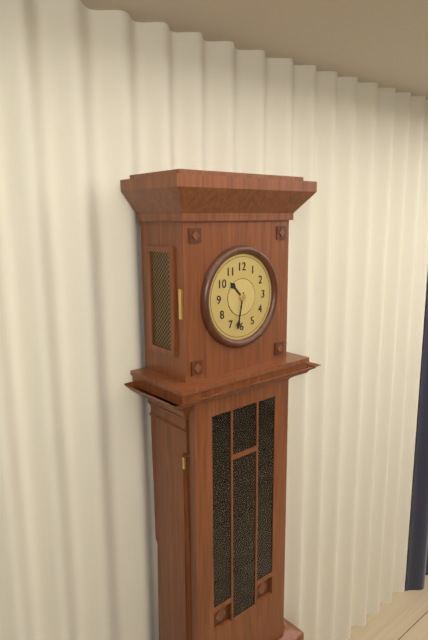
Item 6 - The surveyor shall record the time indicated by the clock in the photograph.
10:32
